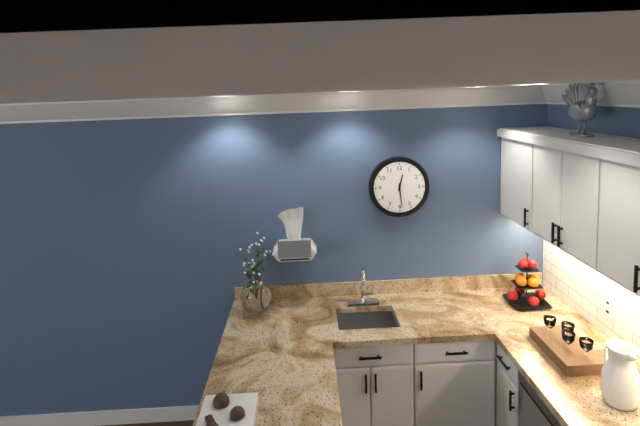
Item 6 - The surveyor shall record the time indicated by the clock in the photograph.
12:29
